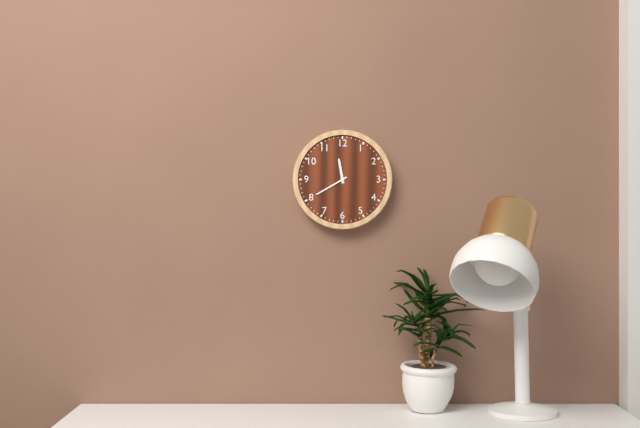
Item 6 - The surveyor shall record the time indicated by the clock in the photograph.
11:40
